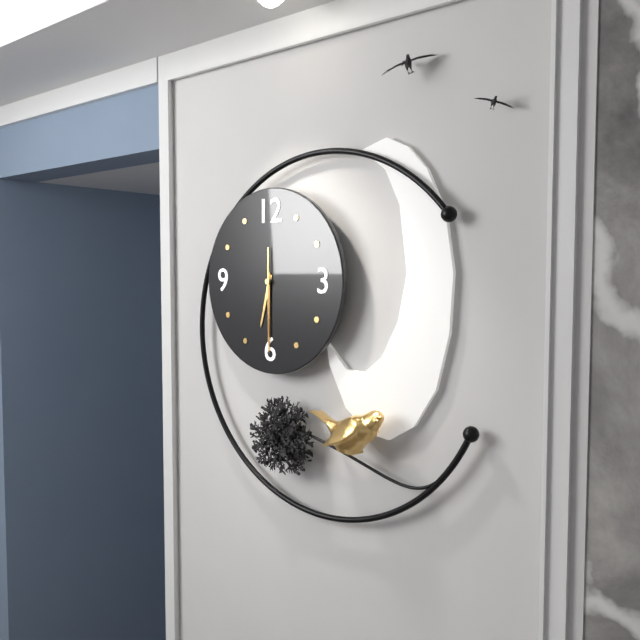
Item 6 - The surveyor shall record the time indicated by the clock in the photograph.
6:30:30
